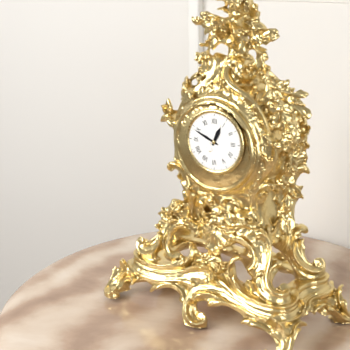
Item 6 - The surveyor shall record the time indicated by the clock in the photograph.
12:49
